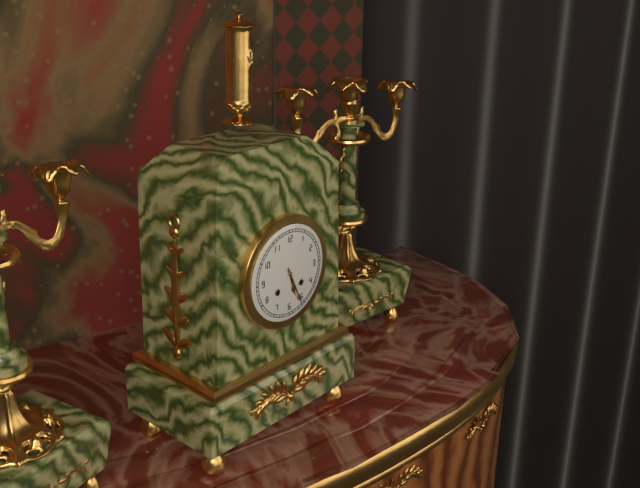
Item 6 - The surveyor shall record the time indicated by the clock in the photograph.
5:26
